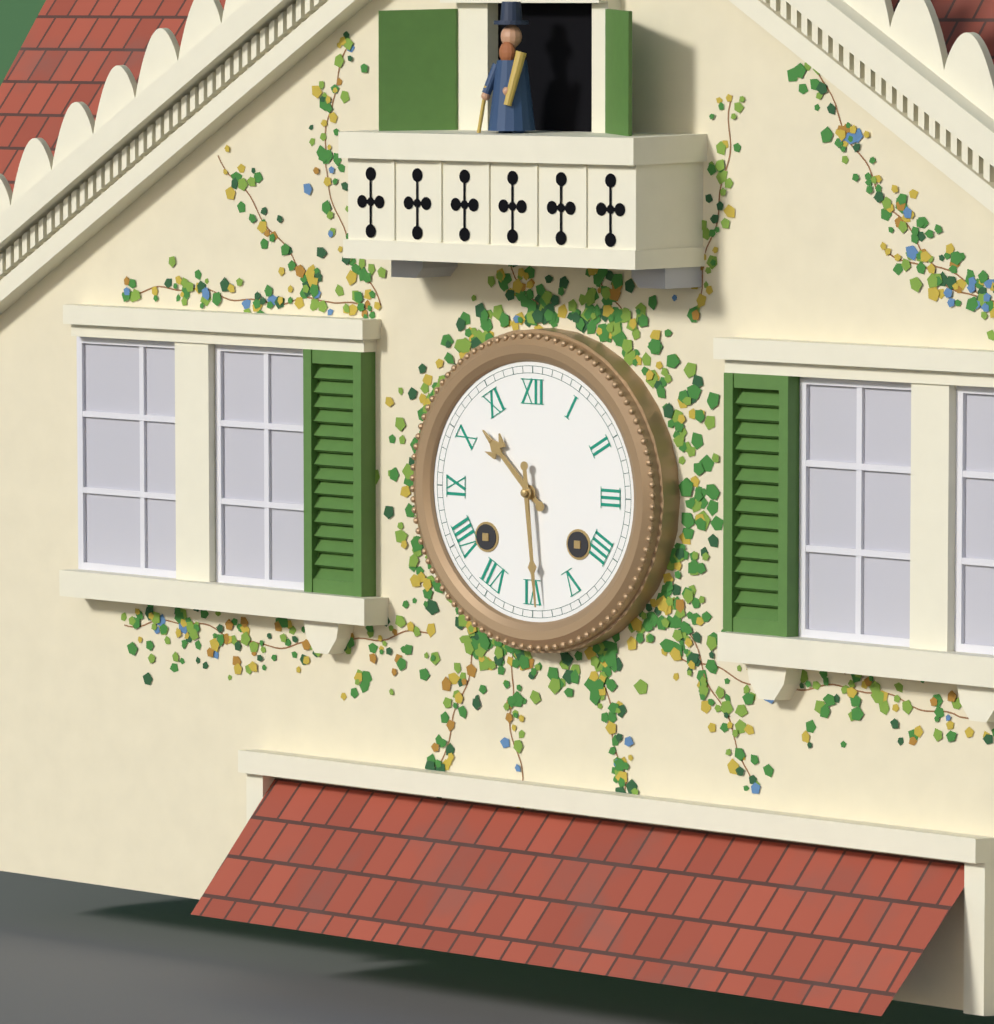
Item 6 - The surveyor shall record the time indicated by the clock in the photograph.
10:29
